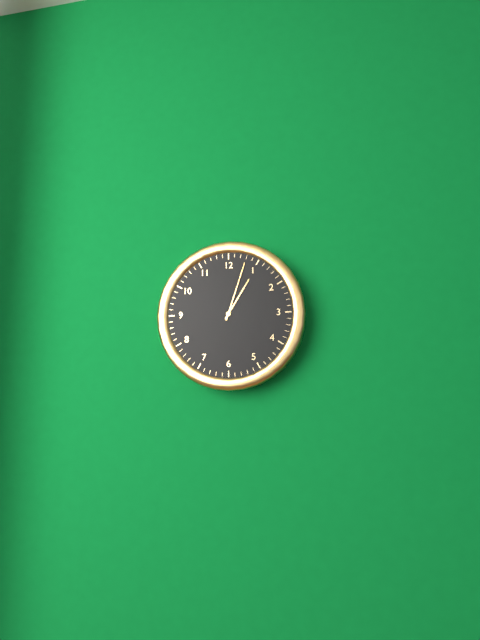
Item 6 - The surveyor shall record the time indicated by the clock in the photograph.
1:03
